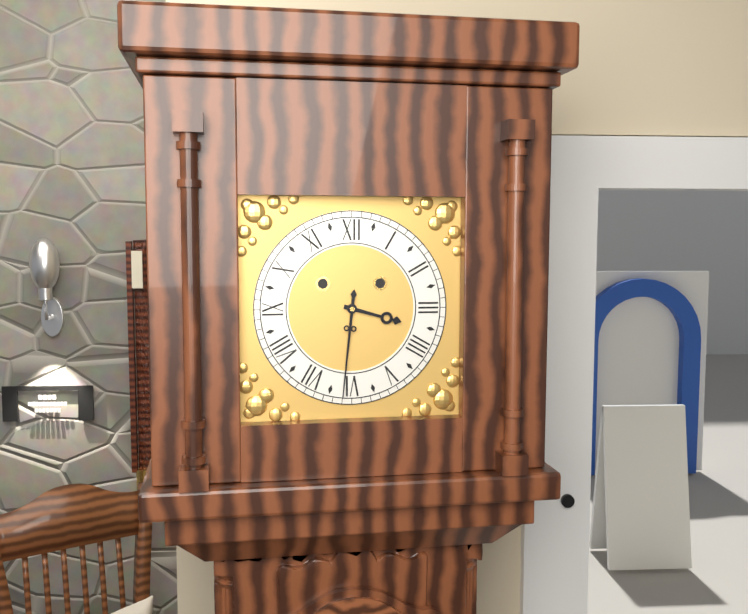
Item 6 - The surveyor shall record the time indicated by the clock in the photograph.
3:31
